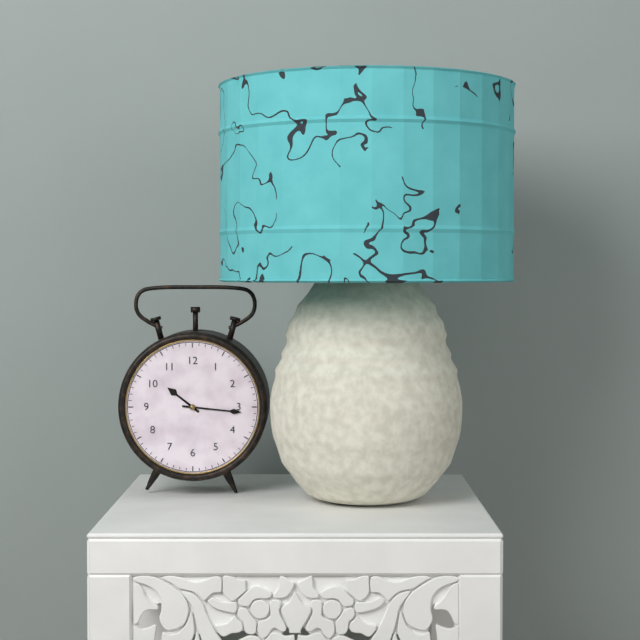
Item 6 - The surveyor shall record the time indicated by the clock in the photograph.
10:16
